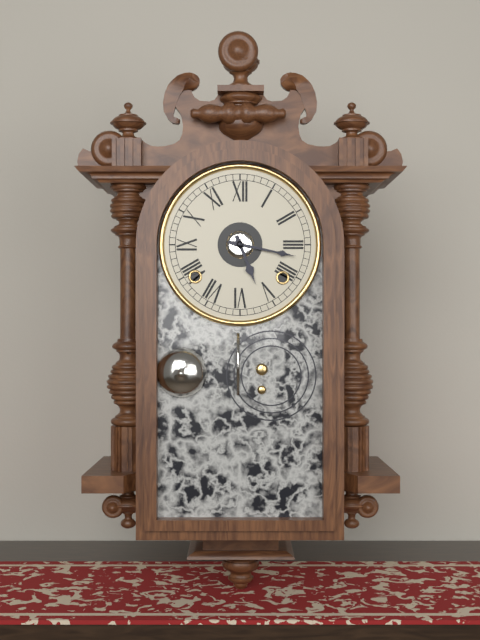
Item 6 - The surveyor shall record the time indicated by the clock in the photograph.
5:17
